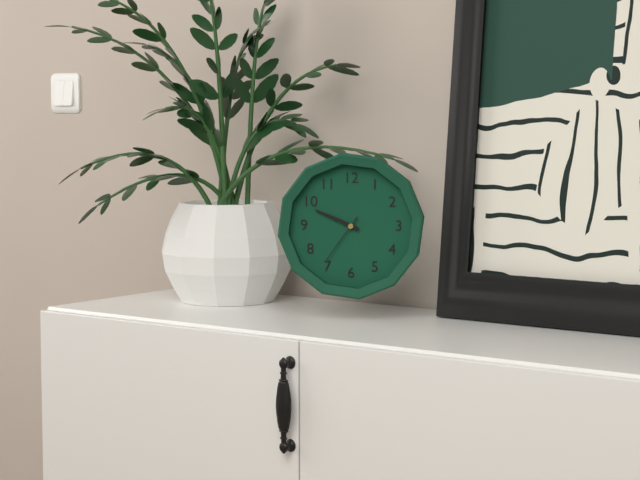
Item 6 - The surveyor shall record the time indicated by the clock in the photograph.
9:49:36
